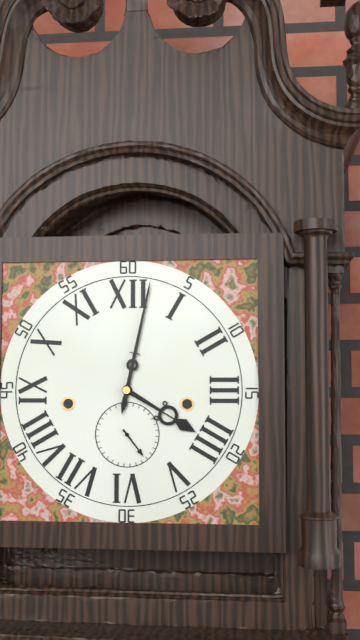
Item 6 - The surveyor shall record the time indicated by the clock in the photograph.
4:02
